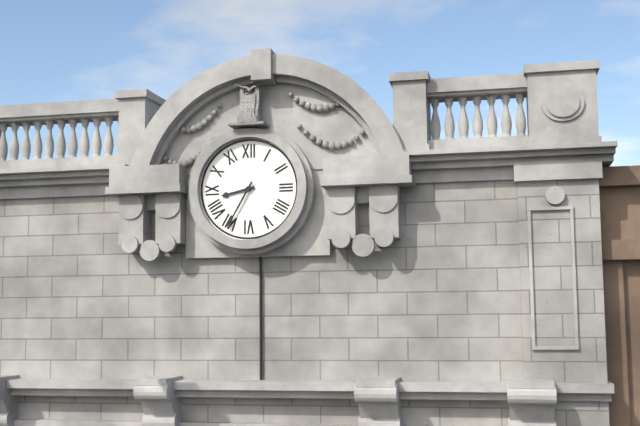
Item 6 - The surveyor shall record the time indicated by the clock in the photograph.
8:35
